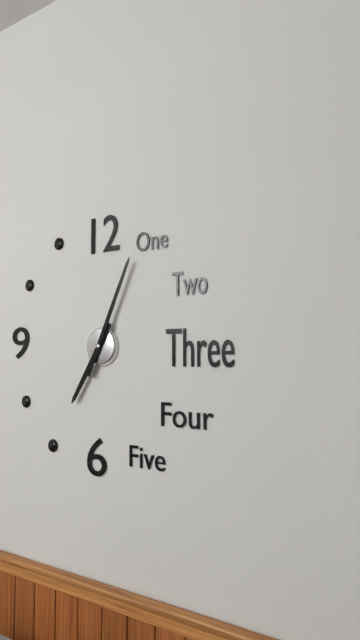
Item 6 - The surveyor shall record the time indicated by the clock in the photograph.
7:04
